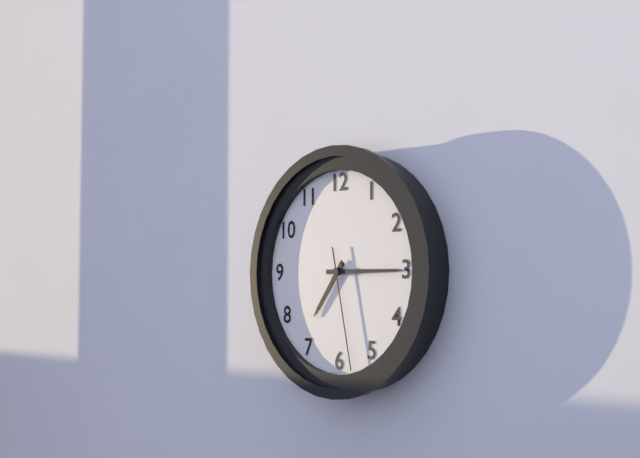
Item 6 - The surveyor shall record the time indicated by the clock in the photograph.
7:15:28
